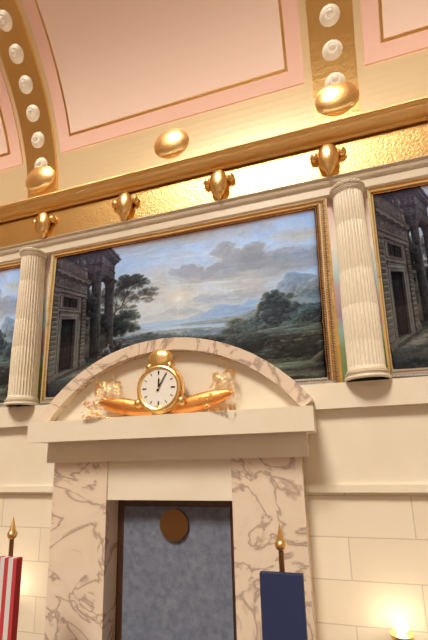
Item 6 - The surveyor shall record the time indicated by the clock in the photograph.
12:05
